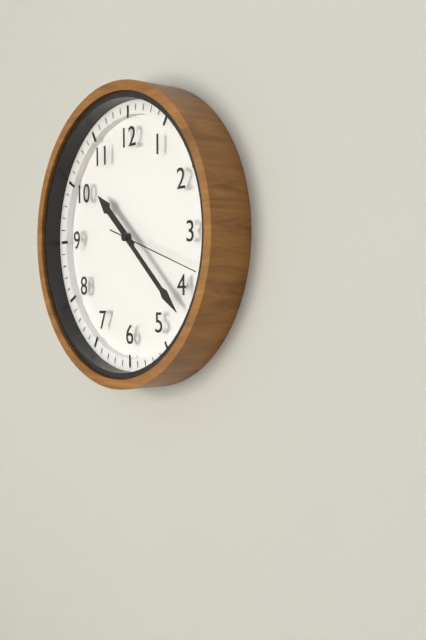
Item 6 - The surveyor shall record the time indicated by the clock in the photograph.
10:22:18
